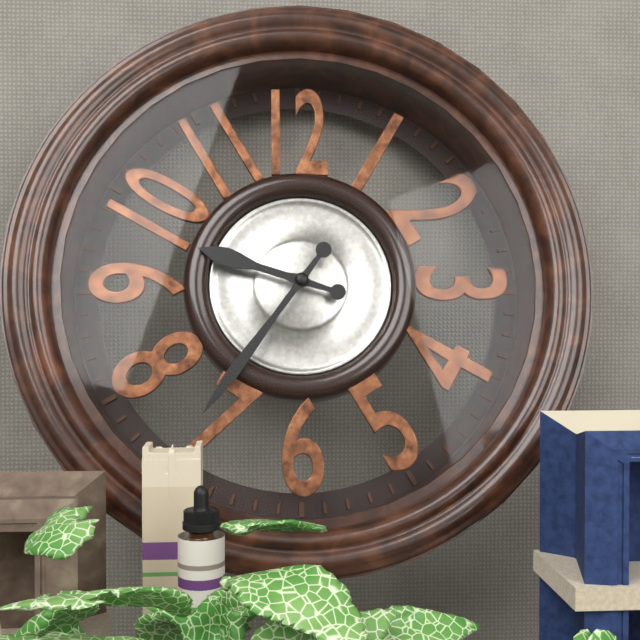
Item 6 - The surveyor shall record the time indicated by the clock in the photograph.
9:36
